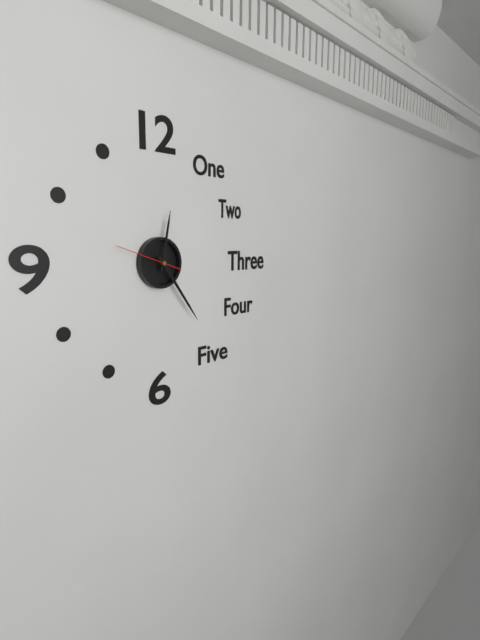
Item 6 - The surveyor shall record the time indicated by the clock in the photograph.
12:24:48
